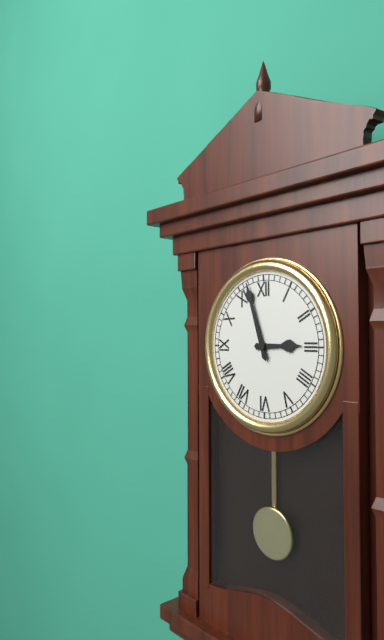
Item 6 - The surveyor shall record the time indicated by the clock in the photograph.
2:57
